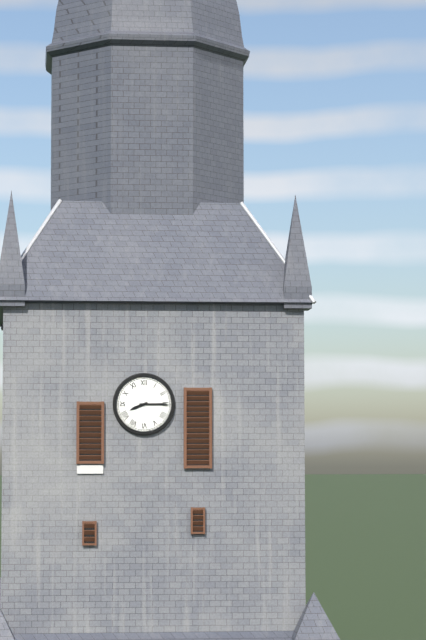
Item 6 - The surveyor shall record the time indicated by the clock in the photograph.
8:15
